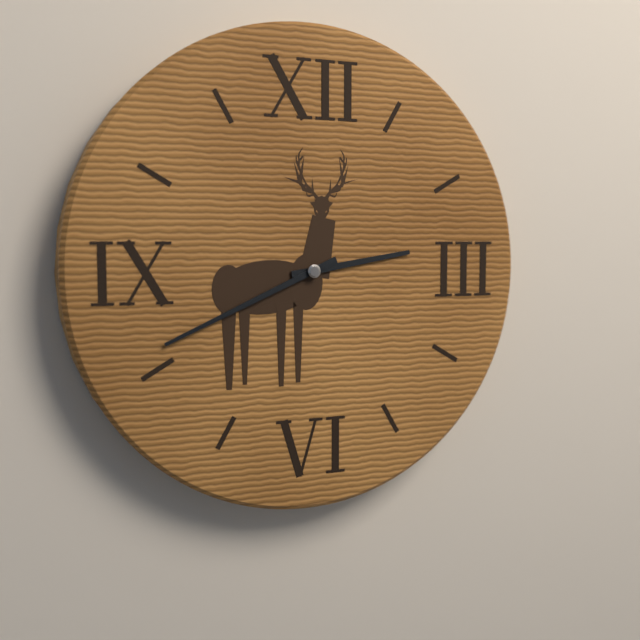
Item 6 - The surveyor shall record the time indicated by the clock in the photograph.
2:41
